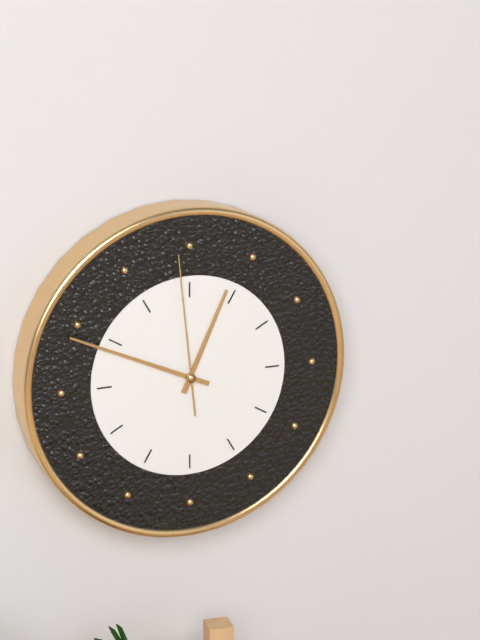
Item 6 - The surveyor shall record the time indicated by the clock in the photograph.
12:49:59
